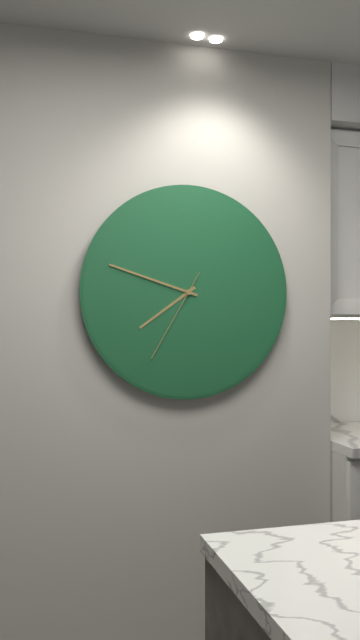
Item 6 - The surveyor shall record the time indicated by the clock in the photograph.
7:48:35
